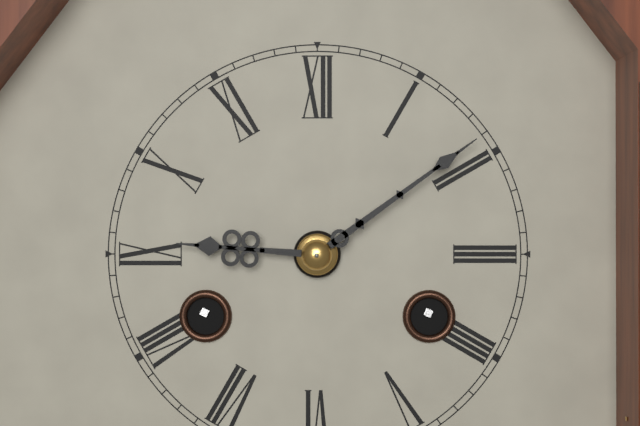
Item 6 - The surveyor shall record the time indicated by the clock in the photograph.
9:09
